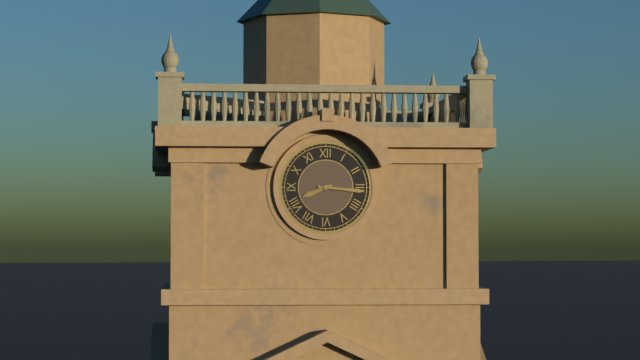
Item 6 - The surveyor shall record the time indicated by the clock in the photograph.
8:16
